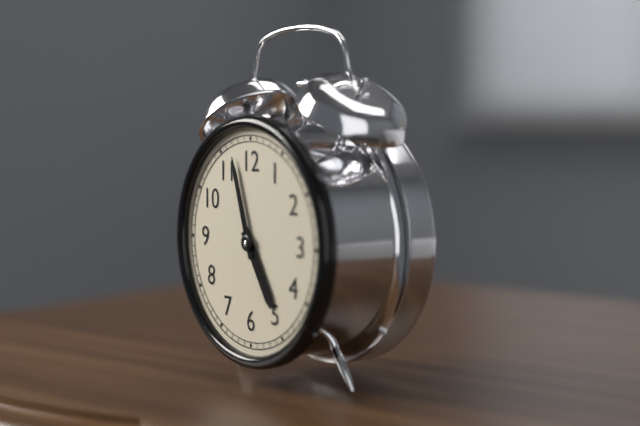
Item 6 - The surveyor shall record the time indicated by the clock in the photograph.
4:57
